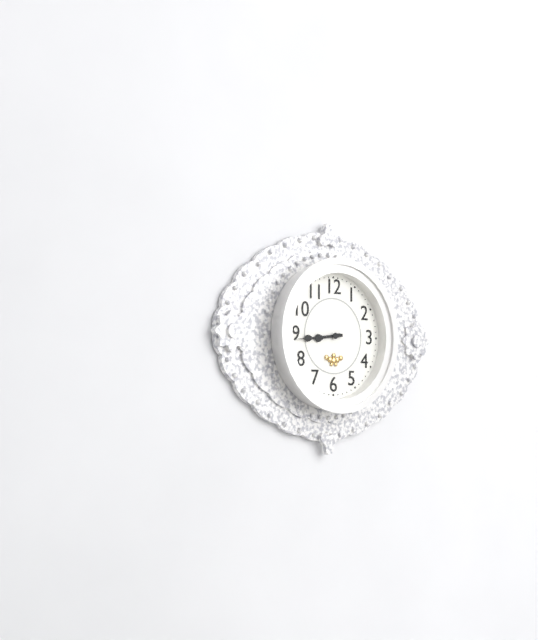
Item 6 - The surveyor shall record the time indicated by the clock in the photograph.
8:44
